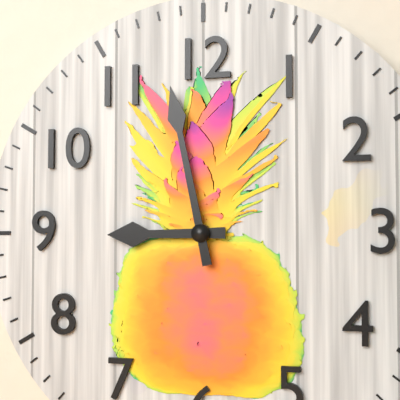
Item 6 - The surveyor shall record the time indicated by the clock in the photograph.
8:58
